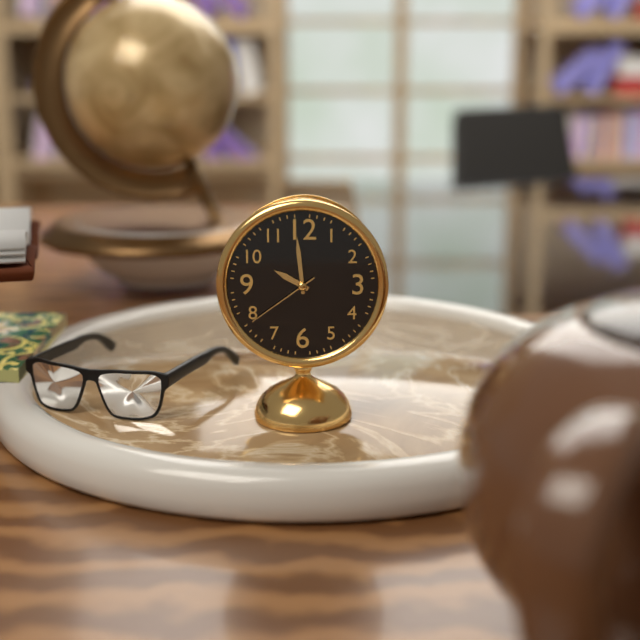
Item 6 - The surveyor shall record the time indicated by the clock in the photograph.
9:59:39
